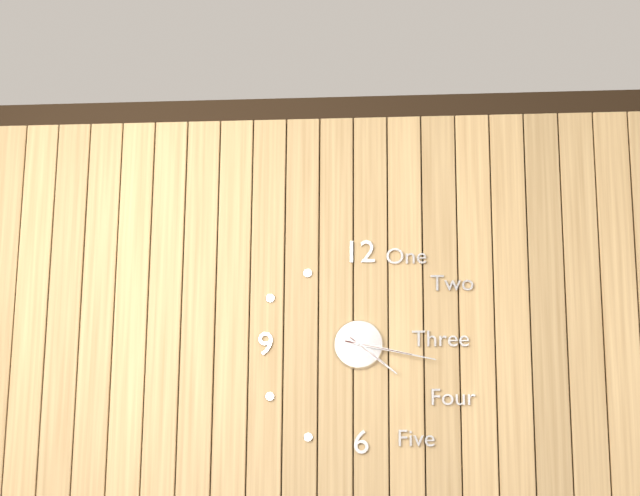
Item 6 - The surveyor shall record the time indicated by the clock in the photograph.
4:17
